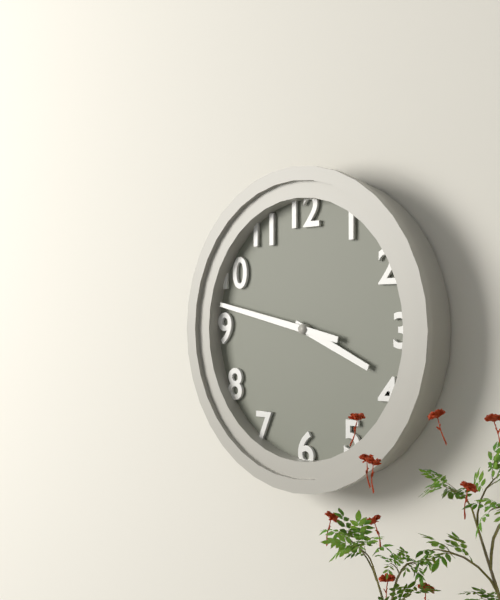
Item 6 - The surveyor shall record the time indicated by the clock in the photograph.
3:47
